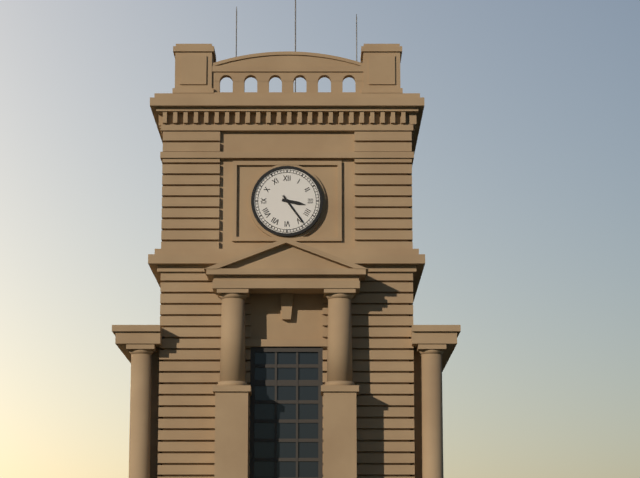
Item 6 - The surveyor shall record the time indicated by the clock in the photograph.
3:24
